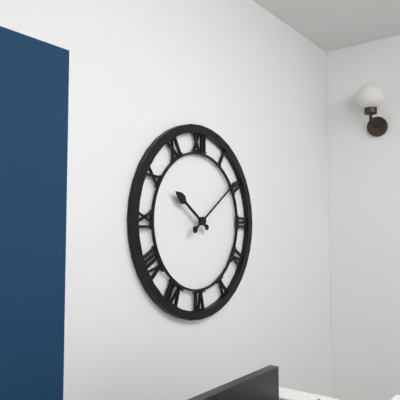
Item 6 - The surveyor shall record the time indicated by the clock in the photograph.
10:09
